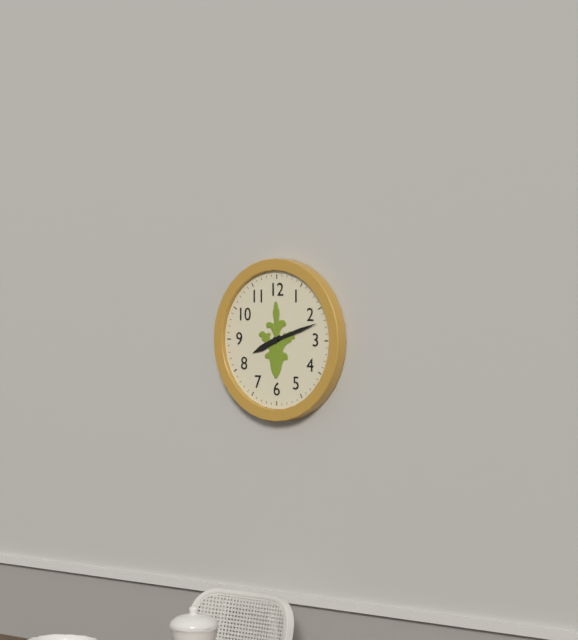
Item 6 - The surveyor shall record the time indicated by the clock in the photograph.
8:12
